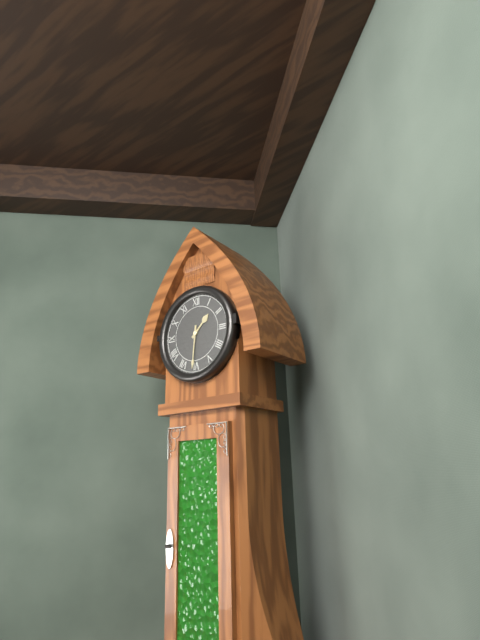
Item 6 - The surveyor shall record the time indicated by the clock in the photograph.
1:31
